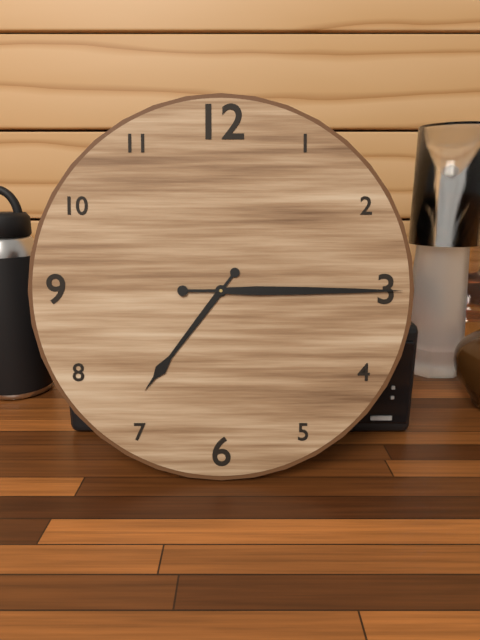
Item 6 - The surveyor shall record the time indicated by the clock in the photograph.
7:15
